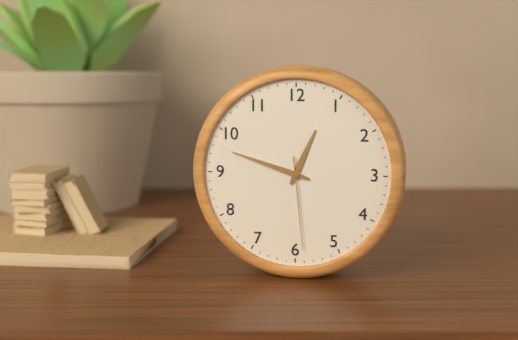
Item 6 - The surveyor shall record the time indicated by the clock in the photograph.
12:48:29
